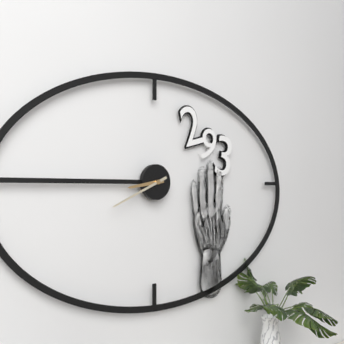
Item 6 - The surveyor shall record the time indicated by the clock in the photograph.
8:41
